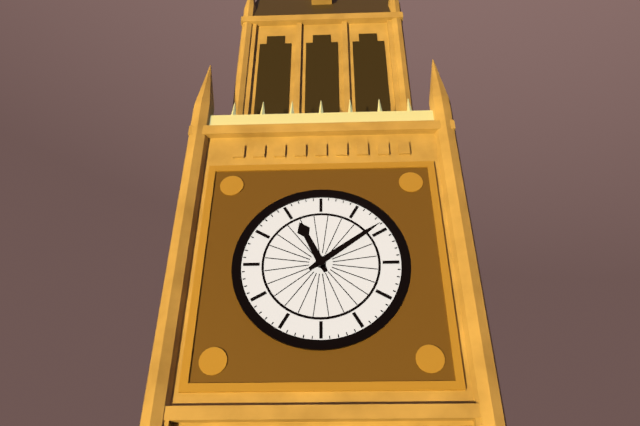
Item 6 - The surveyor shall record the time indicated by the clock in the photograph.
11:09
